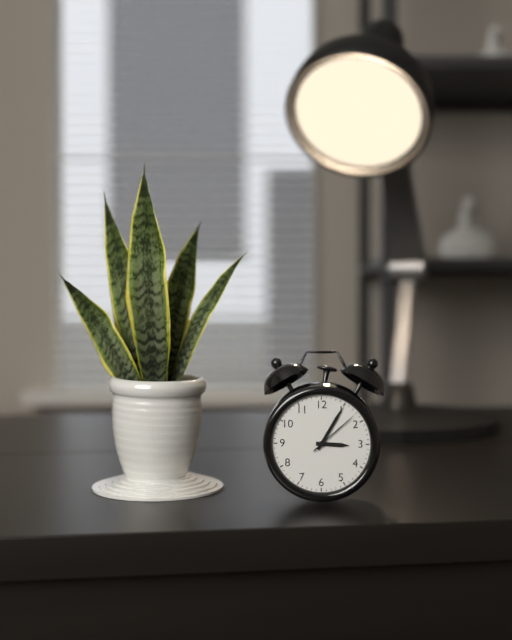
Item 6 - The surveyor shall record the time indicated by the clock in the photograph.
3:05:08
